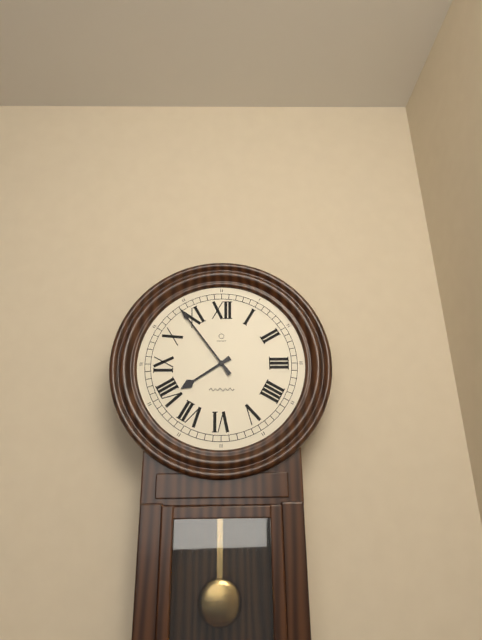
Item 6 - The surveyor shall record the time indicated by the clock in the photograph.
7:54
